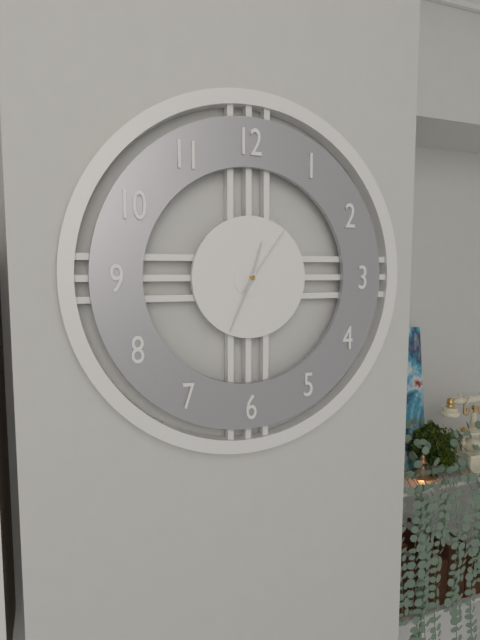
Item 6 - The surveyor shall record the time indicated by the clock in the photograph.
12:34:06
